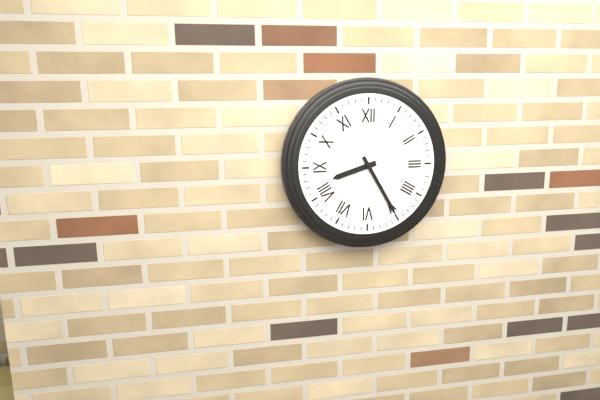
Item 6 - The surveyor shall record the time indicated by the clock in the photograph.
8:25
